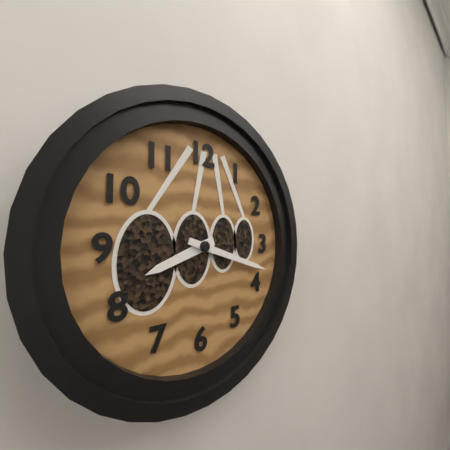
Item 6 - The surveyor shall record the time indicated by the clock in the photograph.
8:18
